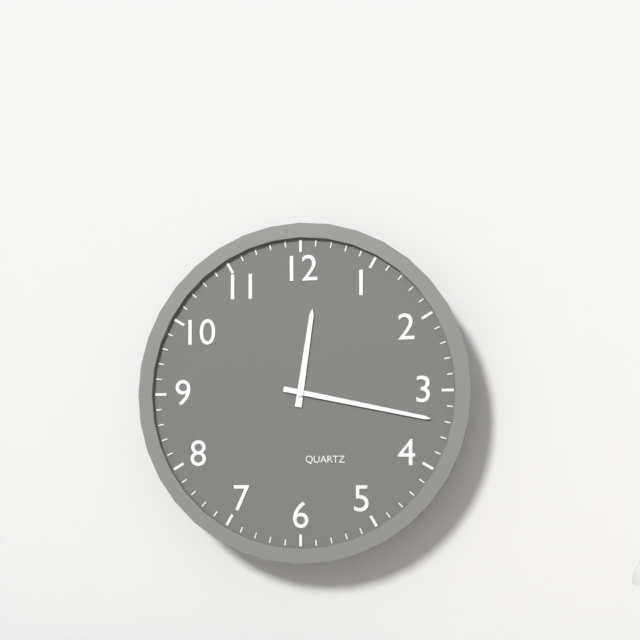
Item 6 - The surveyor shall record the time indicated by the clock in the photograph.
12:17
